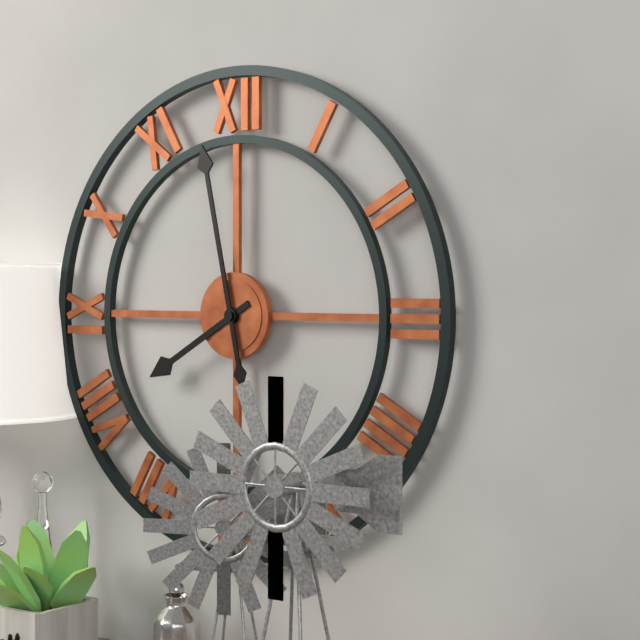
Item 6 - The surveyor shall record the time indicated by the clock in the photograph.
7:58
